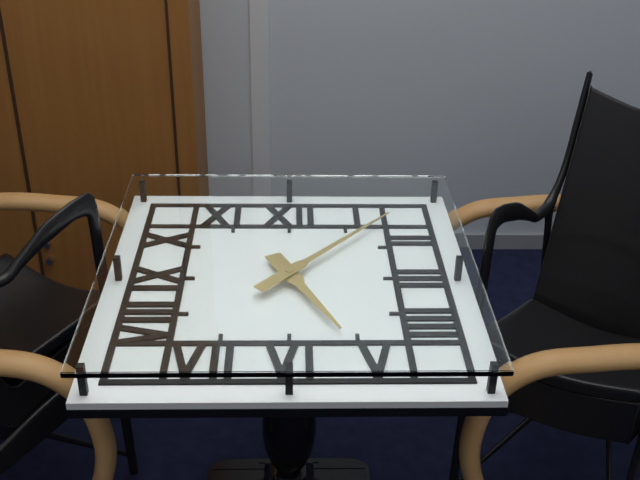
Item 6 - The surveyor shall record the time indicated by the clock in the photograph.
5:07
